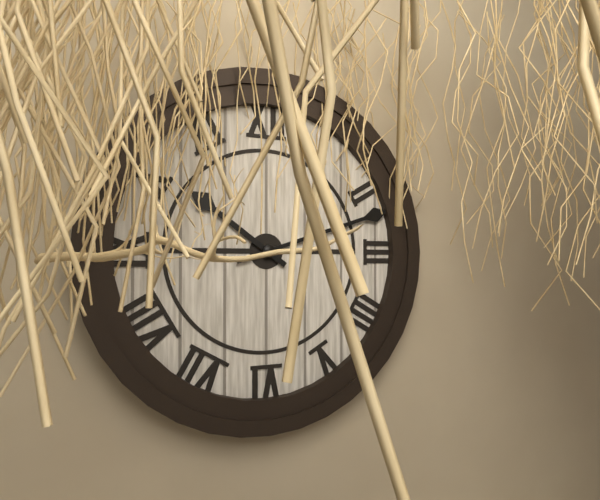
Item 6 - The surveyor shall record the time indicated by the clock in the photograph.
10:12
